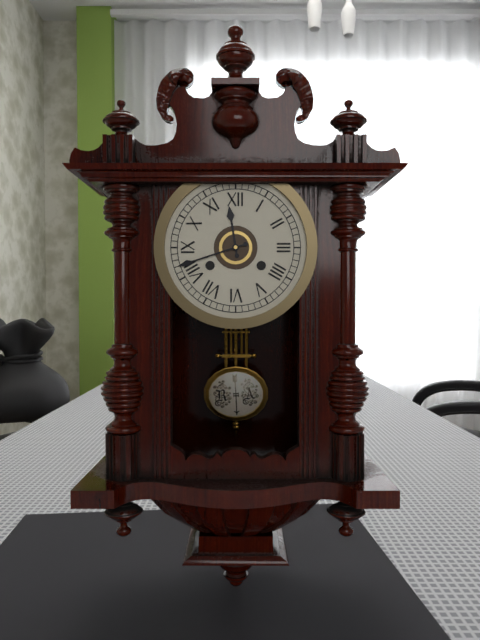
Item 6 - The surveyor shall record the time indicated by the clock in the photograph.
11:42
